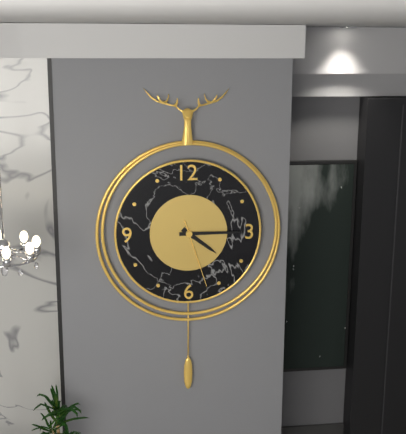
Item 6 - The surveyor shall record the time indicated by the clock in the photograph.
4:15:27
